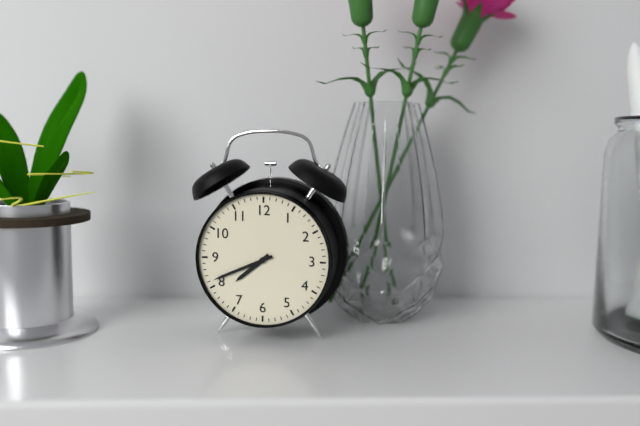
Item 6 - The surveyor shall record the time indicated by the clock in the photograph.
7:41
